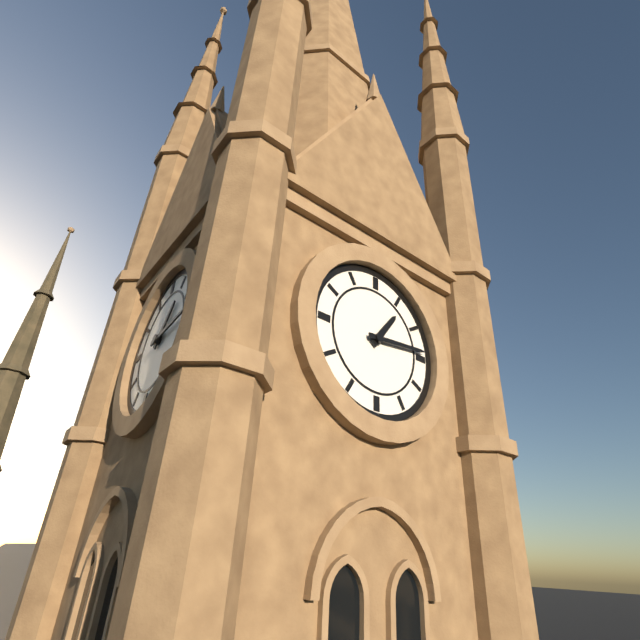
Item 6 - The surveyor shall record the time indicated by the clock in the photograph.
1:14
